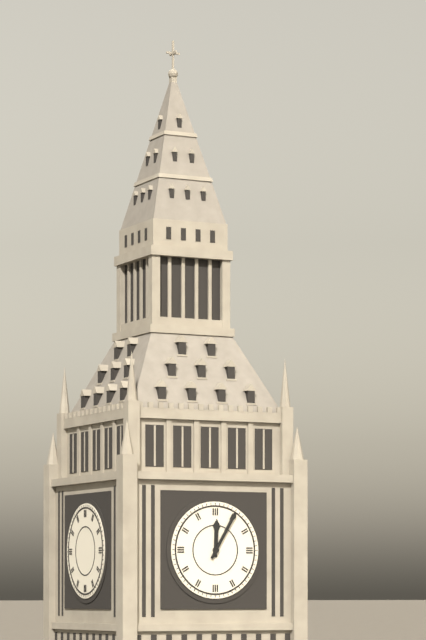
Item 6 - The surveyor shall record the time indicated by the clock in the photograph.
12:05
